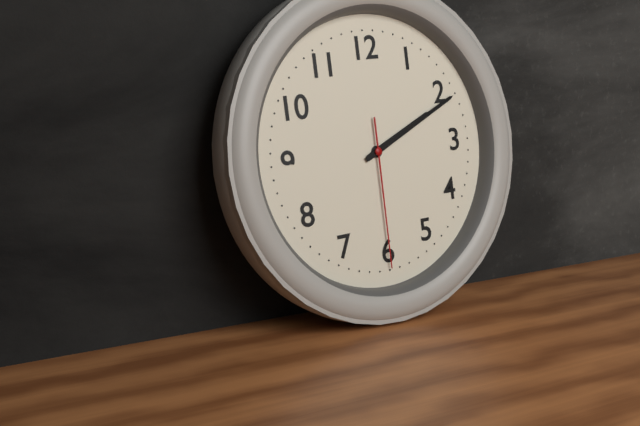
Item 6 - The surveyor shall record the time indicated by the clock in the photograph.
2:11:30
